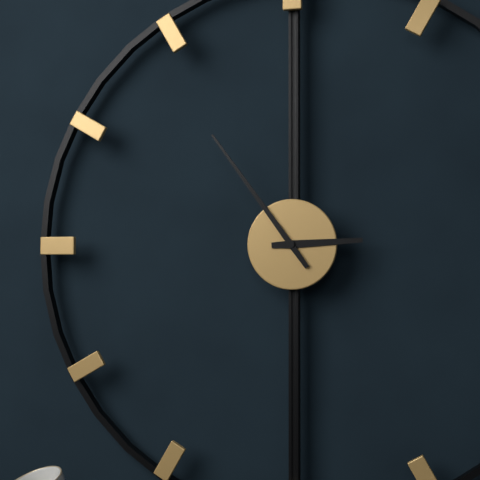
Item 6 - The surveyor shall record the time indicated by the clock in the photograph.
2:54
